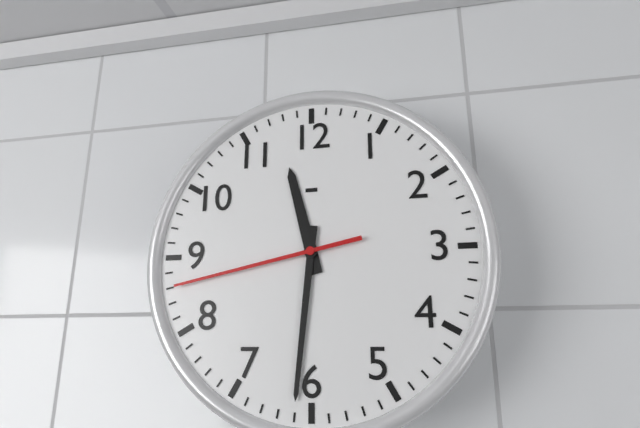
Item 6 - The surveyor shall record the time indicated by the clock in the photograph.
11:31:43
